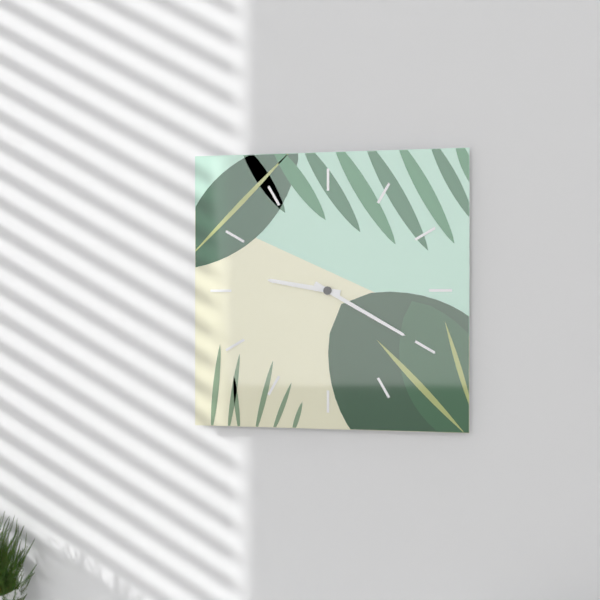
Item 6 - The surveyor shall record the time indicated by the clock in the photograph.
9:20
